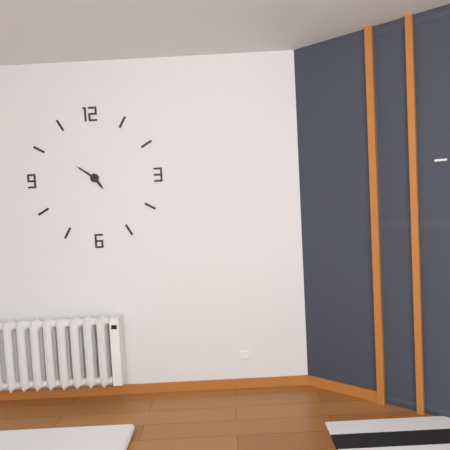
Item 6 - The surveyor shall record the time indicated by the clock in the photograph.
4:51
